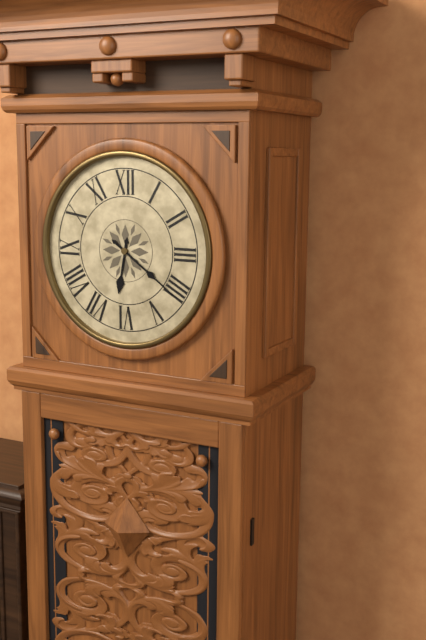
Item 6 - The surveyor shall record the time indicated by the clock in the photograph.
6:21
